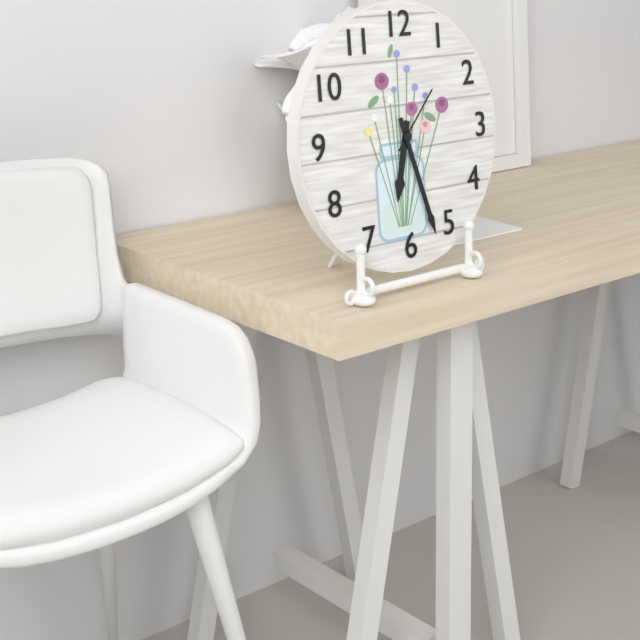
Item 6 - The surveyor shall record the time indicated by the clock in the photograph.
6:27:07
